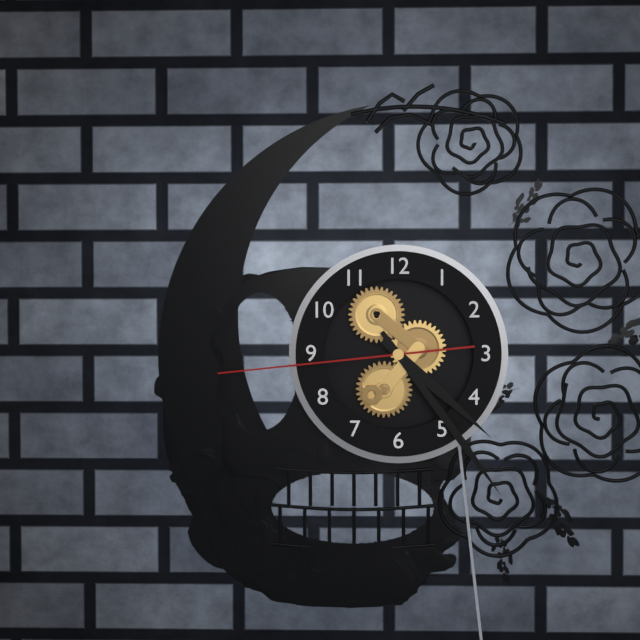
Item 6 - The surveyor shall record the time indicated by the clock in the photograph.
4:24:44
